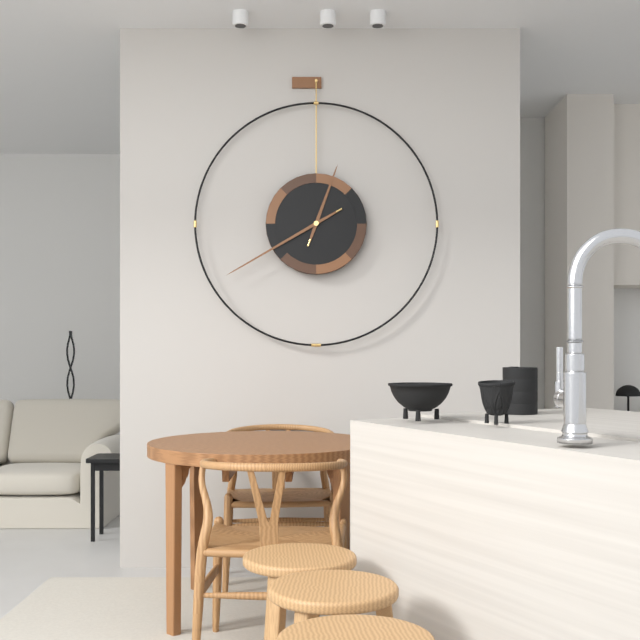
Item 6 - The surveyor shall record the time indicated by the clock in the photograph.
12:40
